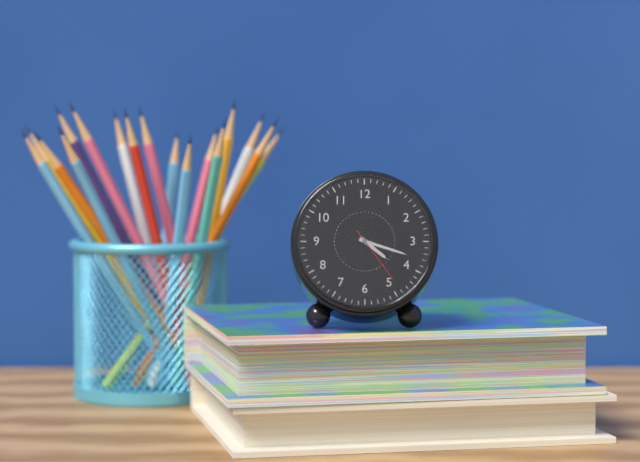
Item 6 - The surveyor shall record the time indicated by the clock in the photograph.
4:18:24
